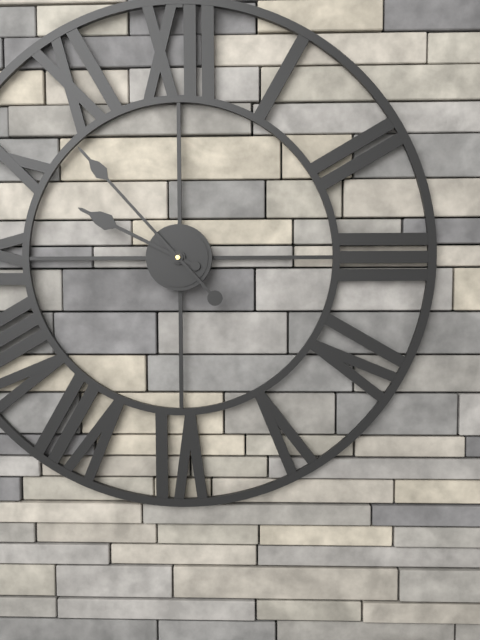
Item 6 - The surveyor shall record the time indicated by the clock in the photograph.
9:53
